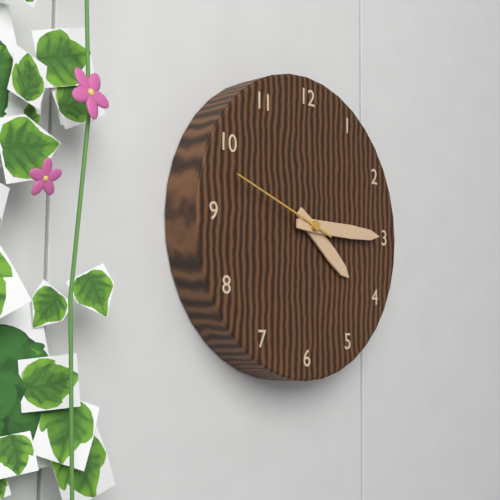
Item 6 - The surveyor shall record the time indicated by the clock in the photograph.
4:15:48
